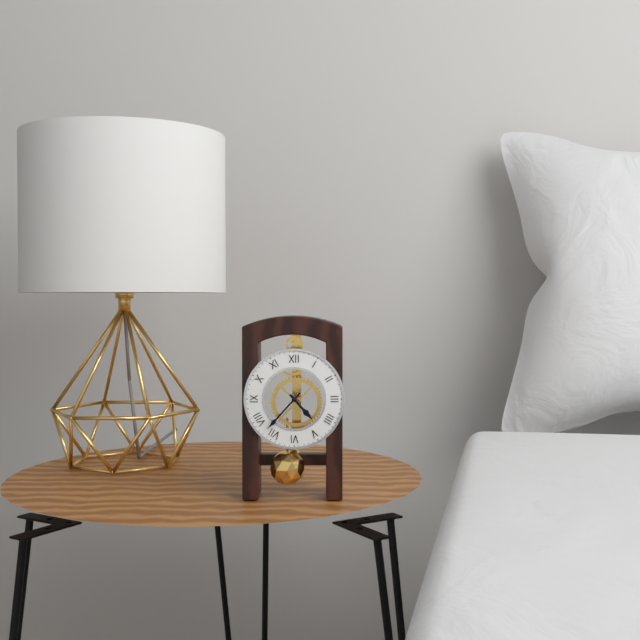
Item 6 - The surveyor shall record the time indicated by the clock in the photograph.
4:37
